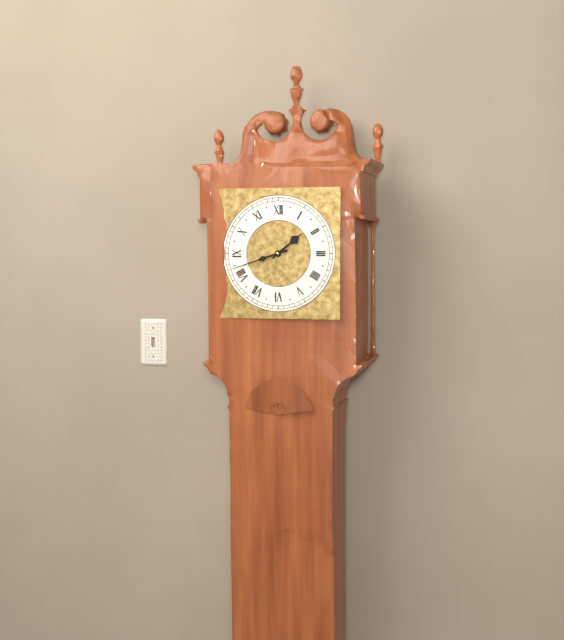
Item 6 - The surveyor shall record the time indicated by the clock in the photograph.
1:42
